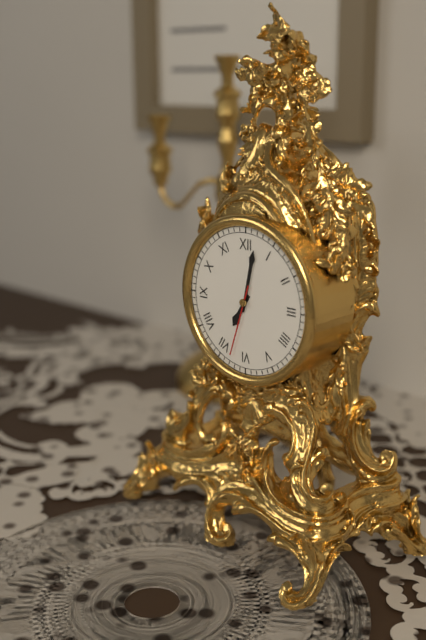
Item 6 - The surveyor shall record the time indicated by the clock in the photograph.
7:02:33
